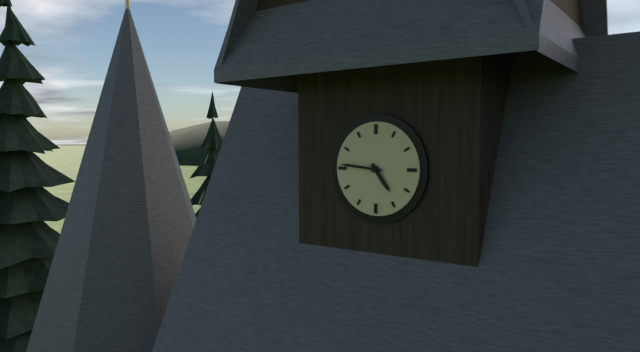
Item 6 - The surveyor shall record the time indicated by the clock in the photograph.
4:46
